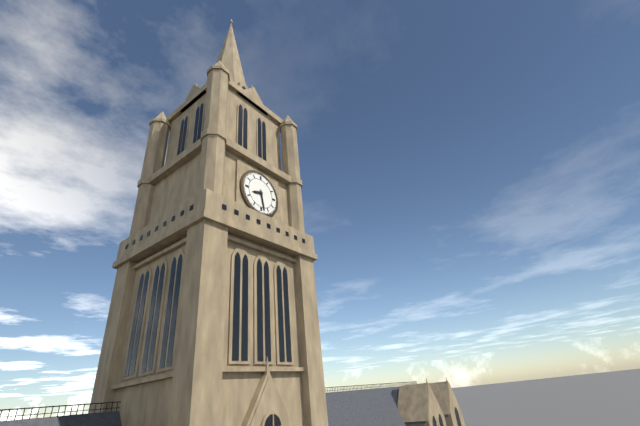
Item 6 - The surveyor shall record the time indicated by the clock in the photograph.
8:28
